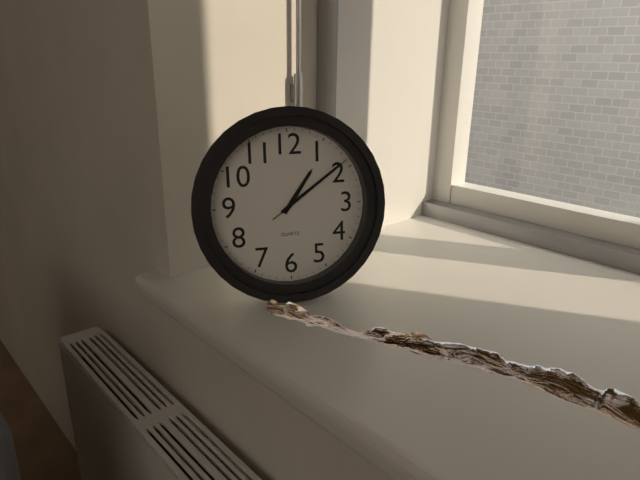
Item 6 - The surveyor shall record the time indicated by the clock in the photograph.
1:09:09
